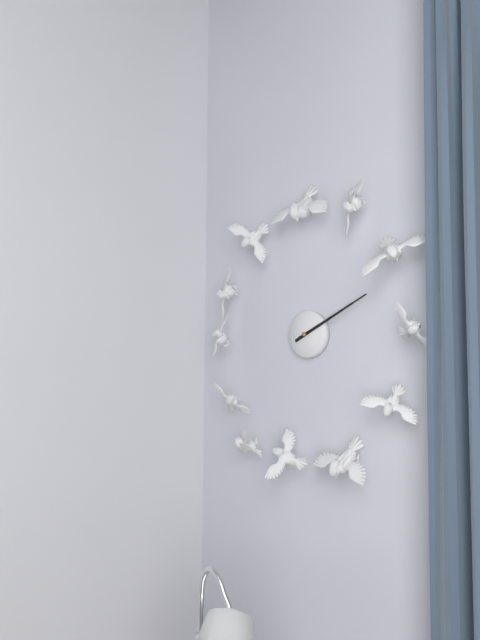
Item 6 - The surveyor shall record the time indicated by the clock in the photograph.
2:11
